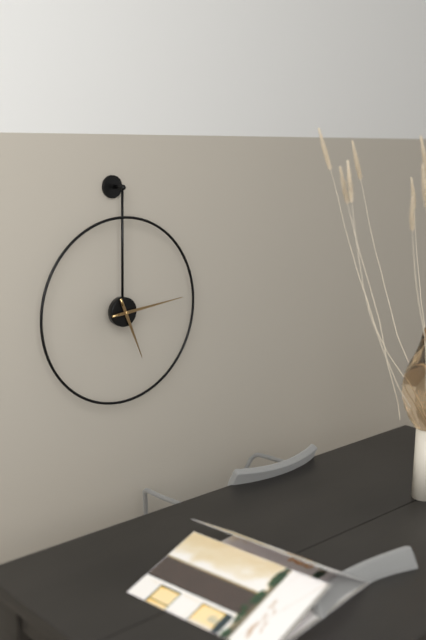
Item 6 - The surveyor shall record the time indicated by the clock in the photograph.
5:14
